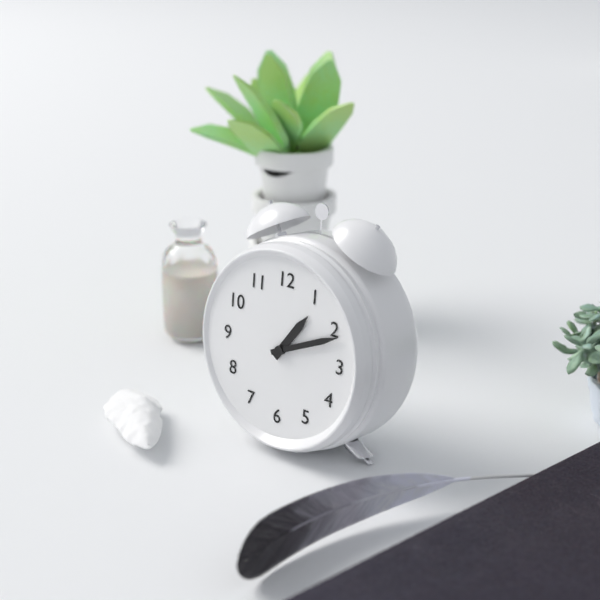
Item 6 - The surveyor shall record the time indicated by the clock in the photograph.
1:11
